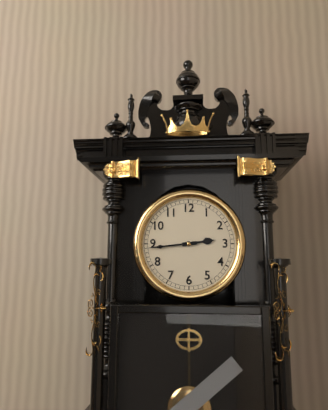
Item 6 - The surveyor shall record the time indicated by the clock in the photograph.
2:44
